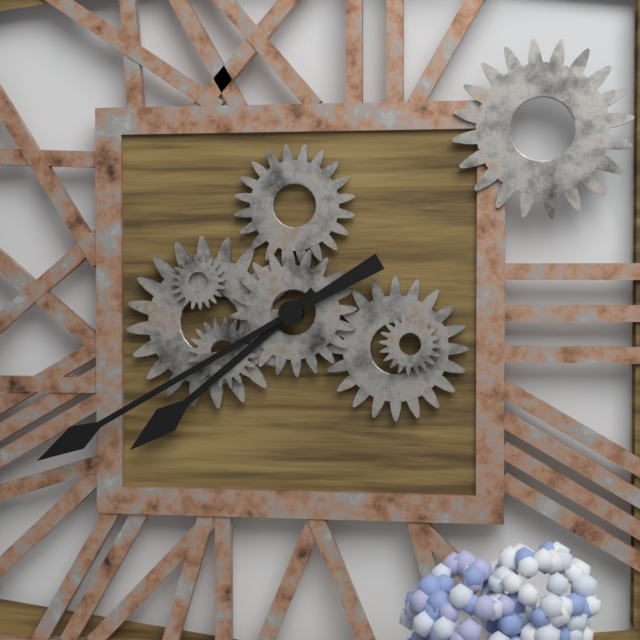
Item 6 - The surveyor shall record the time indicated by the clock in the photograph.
7:40
